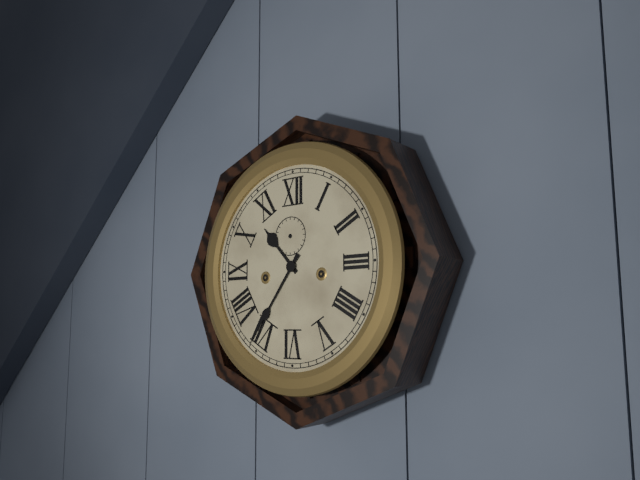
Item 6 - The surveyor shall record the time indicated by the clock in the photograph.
10:36
